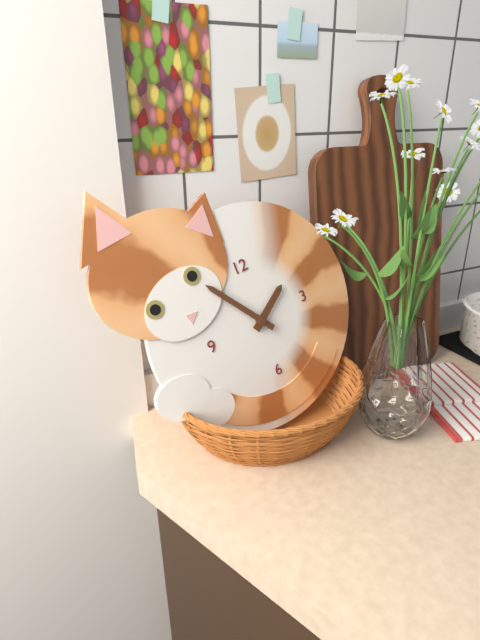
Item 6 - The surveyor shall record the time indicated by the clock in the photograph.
1:54
